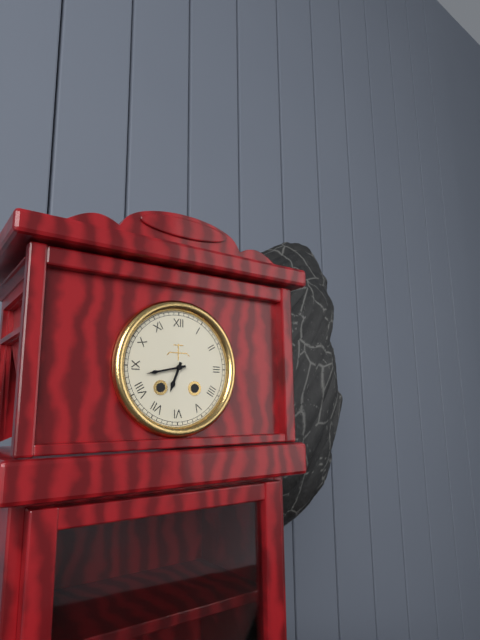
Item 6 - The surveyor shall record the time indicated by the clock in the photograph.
6:43
